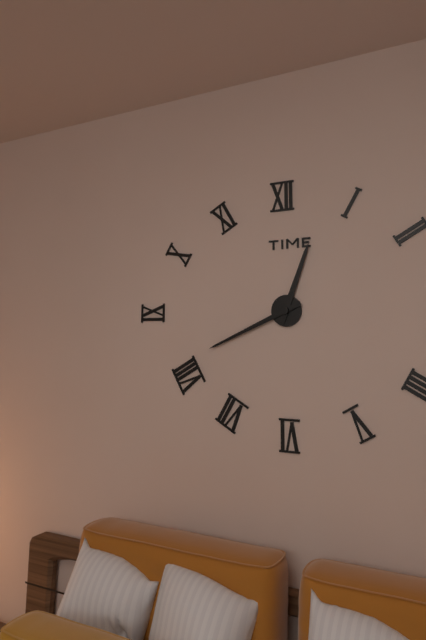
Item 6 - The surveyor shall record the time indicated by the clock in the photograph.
12:41
